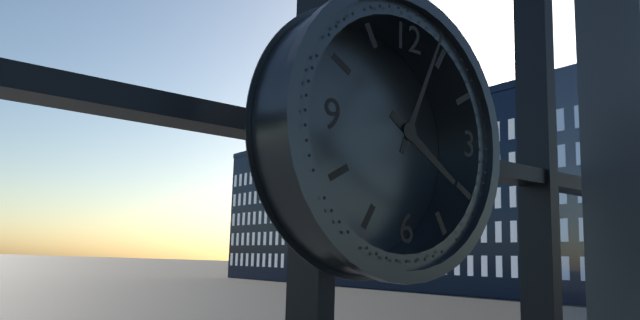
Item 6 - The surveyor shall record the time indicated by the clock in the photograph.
4:04
